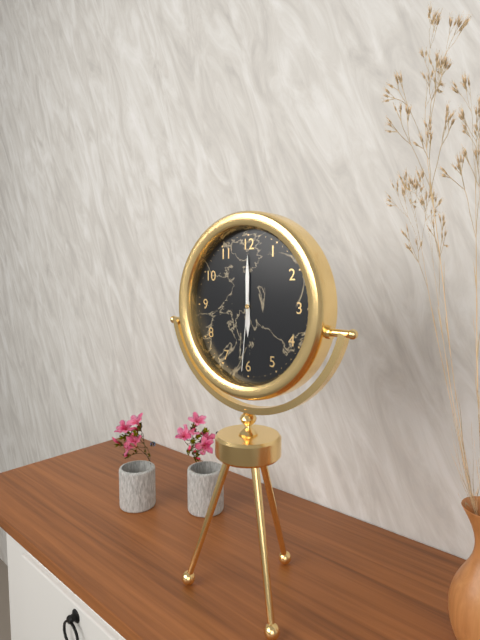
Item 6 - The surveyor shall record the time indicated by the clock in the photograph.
6:00:31
